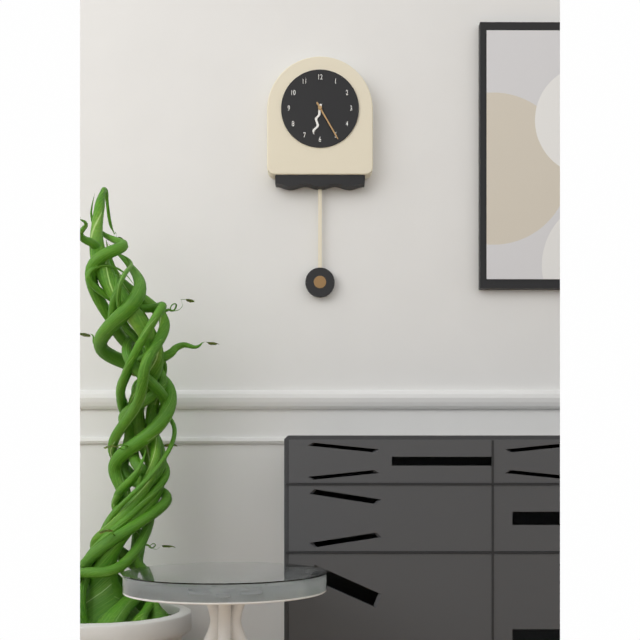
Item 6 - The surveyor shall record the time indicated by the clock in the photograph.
6:25
